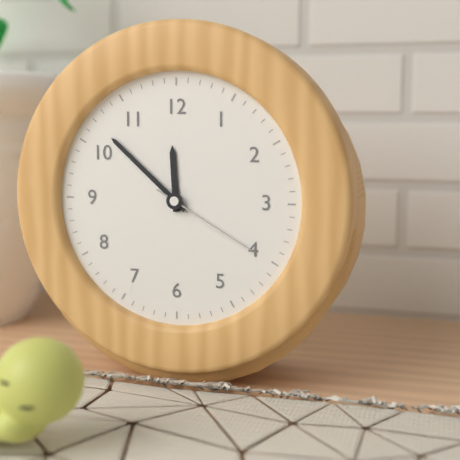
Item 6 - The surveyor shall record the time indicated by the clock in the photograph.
11:52:20
